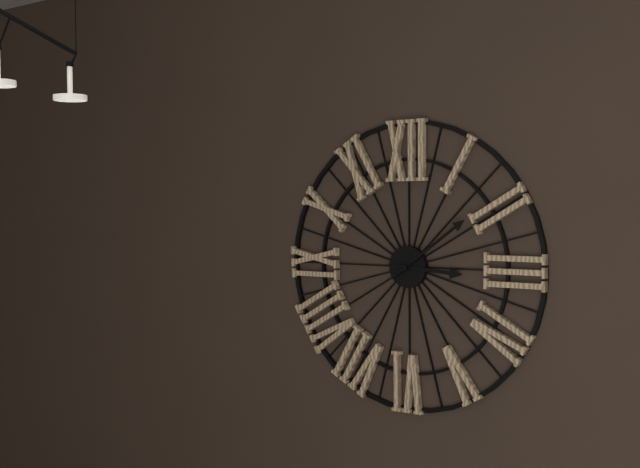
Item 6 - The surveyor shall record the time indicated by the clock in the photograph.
3:09
